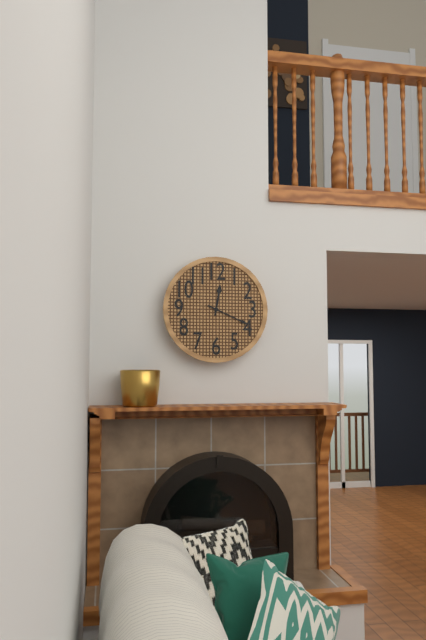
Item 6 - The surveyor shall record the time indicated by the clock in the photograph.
12:19
